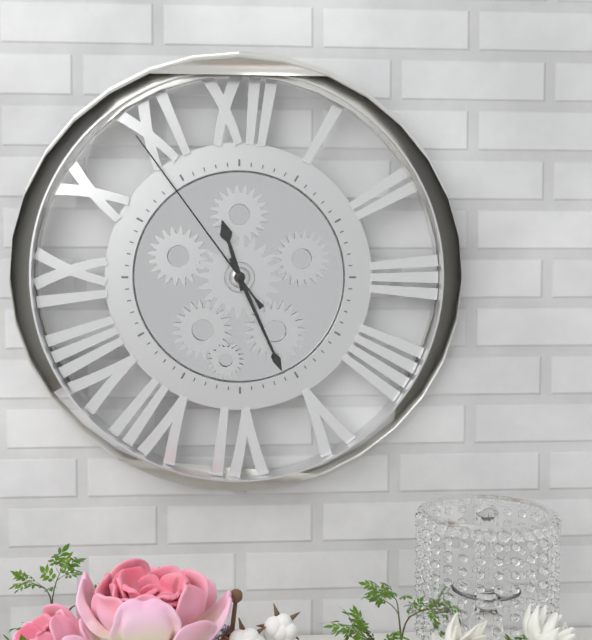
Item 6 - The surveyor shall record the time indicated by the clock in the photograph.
11:26:54
